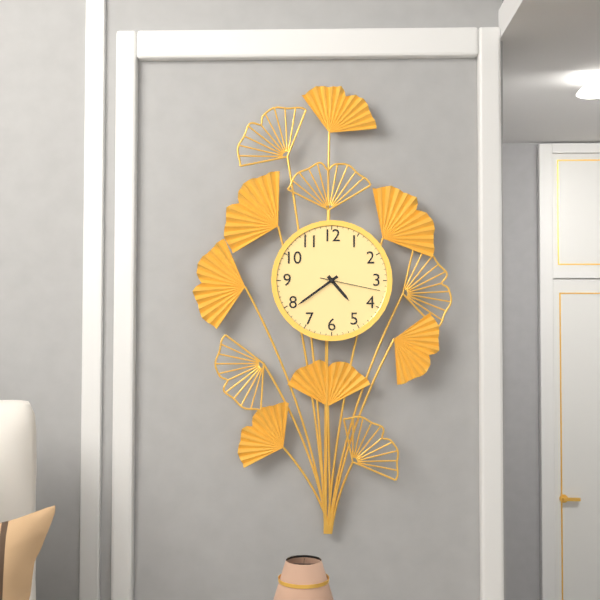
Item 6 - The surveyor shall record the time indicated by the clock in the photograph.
4:39:17
